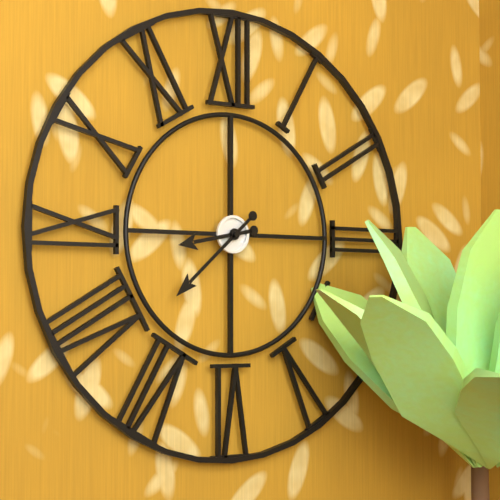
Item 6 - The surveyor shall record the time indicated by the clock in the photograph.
8:38
